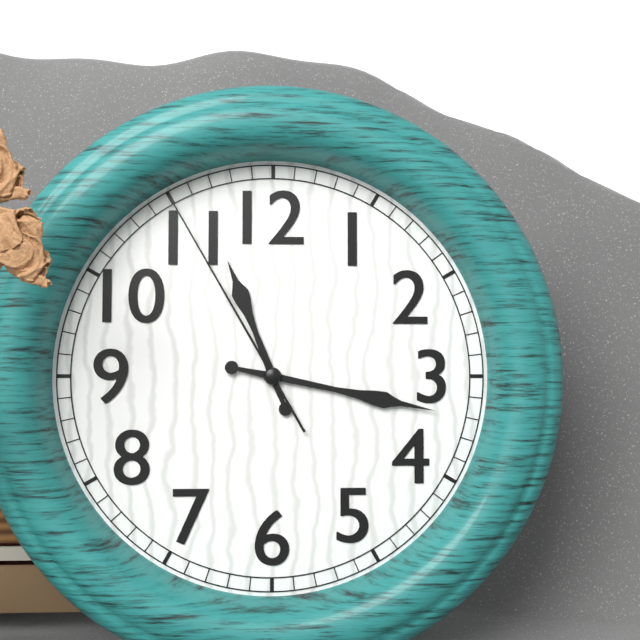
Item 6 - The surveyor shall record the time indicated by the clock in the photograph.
11:17:55
